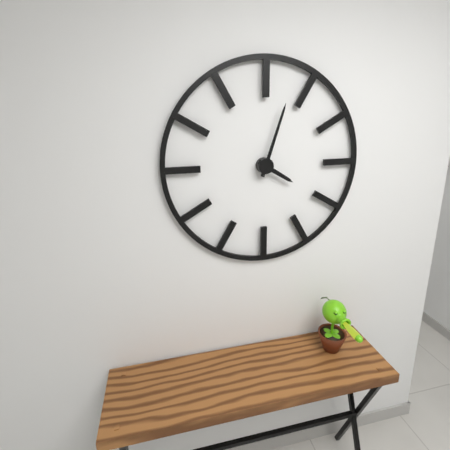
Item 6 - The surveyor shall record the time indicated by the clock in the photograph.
4:03
